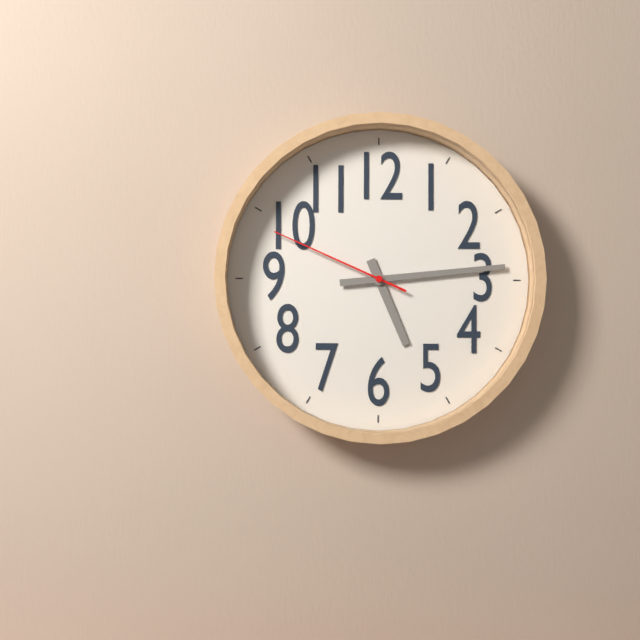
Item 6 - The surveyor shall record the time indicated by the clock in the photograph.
5:14:49
